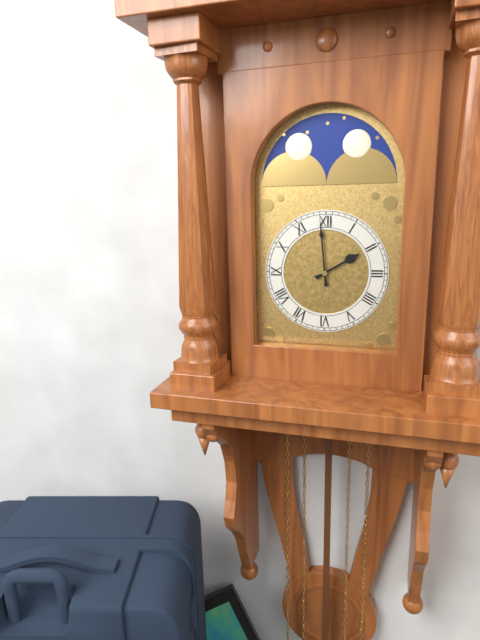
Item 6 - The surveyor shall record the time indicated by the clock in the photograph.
1:59
